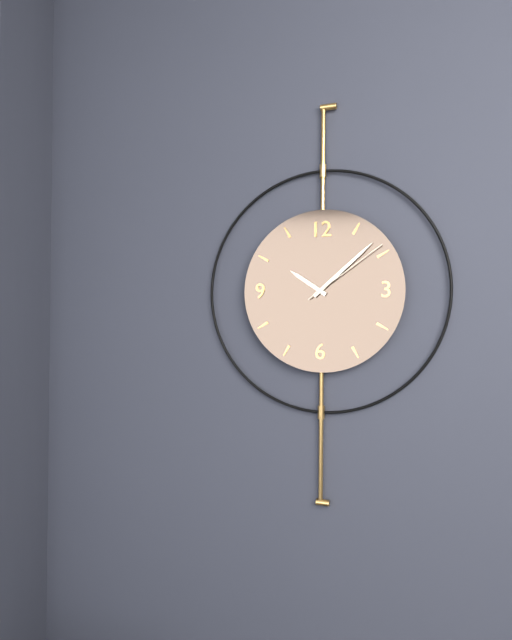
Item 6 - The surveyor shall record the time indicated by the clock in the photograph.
10:08:09
